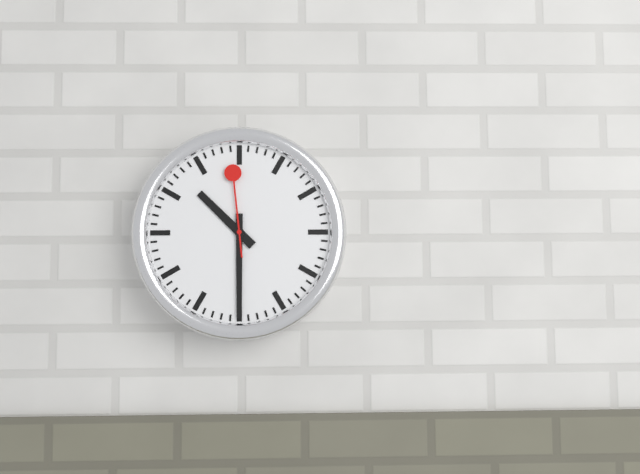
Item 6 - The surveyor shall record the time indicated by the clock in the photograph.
10:30:59
